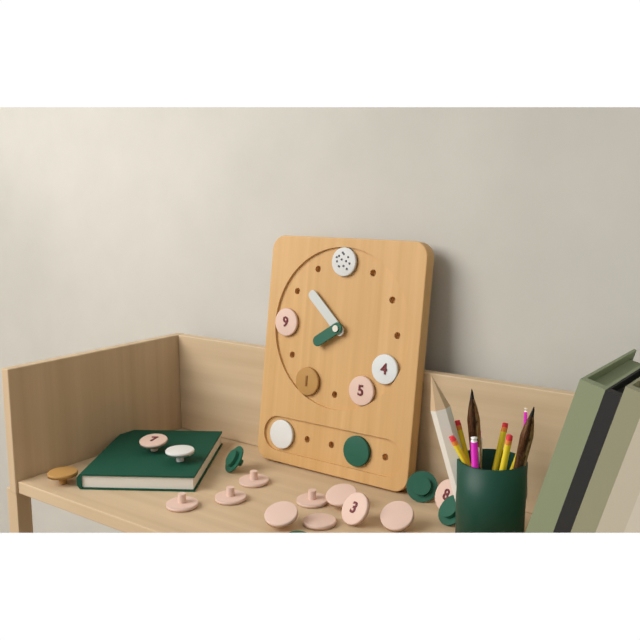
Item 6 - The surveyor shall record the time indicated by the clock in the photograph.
7:52
